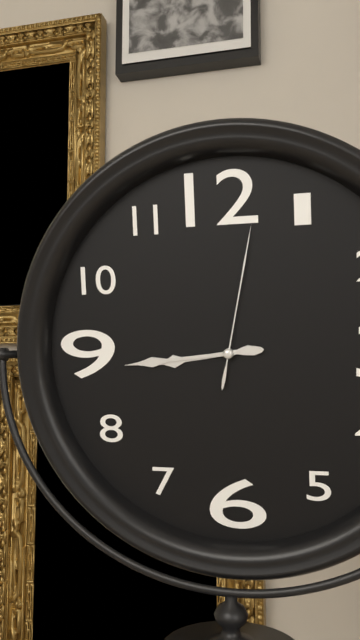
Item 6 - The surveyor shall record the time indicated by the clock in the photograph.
8:44:02
